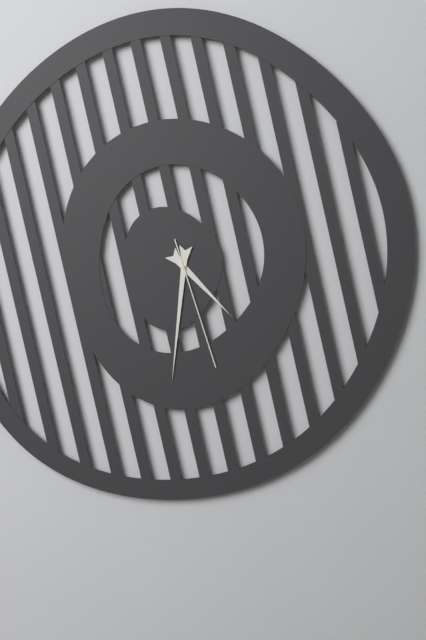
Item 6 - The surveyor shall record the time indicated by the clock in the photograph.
4:31:27
